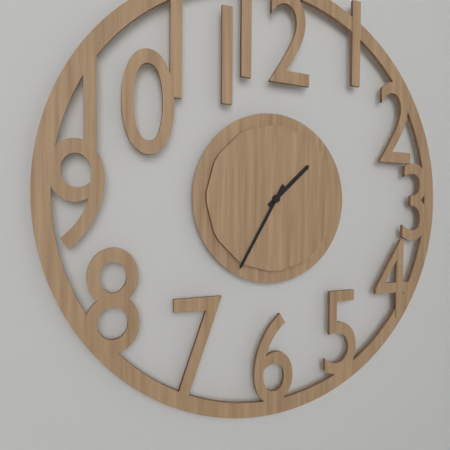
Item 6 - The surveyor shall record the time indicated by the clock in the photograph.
1:35
